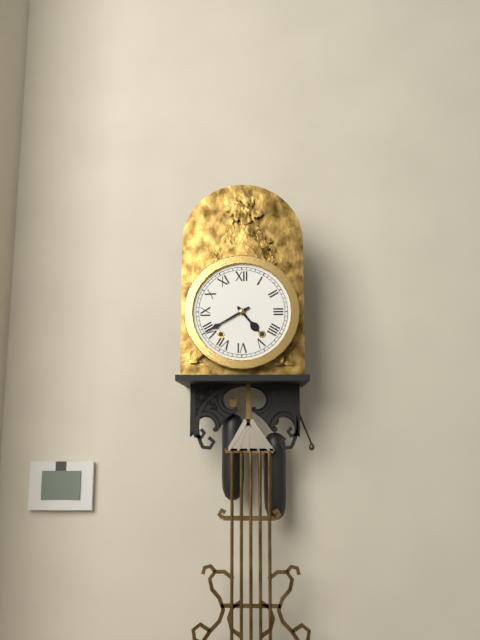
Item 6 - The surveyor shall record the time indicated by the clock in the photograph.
4:40
